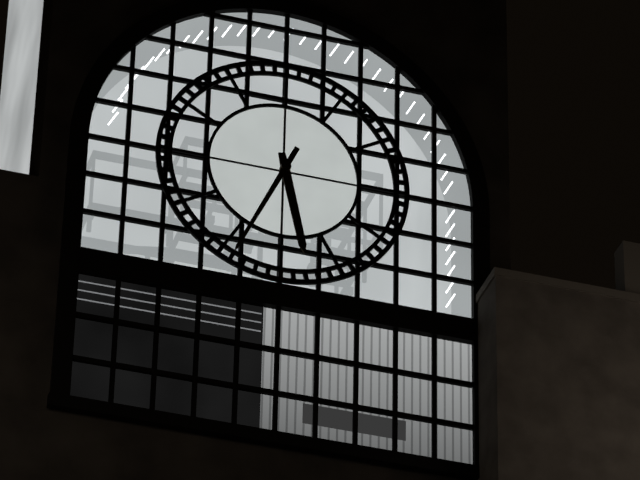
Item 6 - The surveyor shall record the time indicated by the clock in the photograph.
5:34
